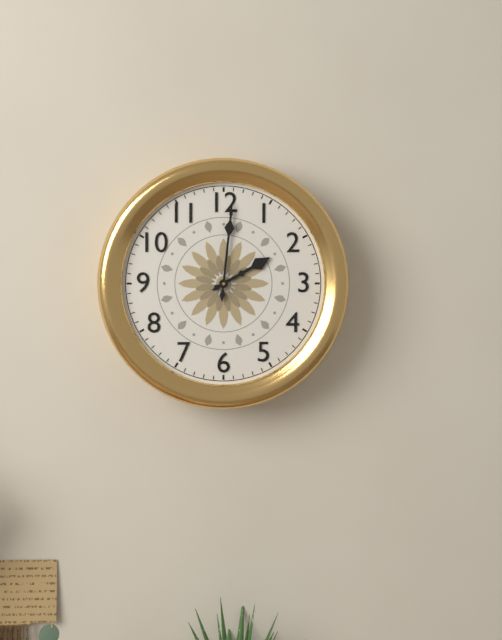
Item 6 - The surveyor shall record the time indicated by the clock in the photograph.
2:01
